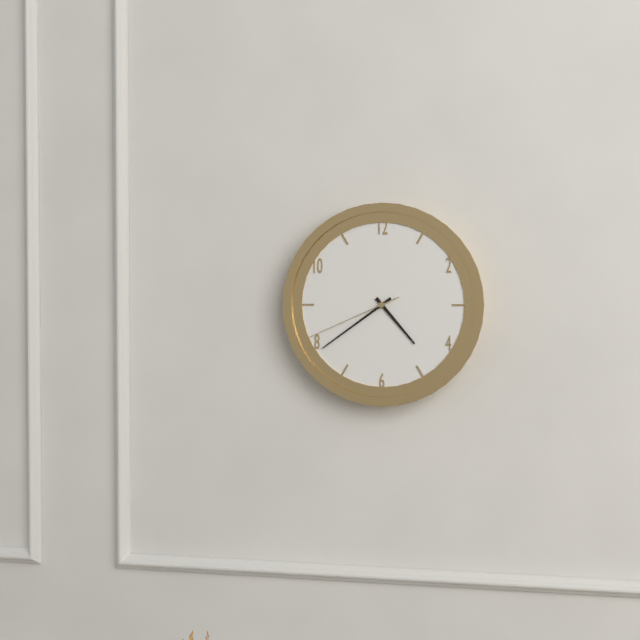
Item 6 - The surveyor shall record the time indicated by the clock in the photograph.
4:39:41
